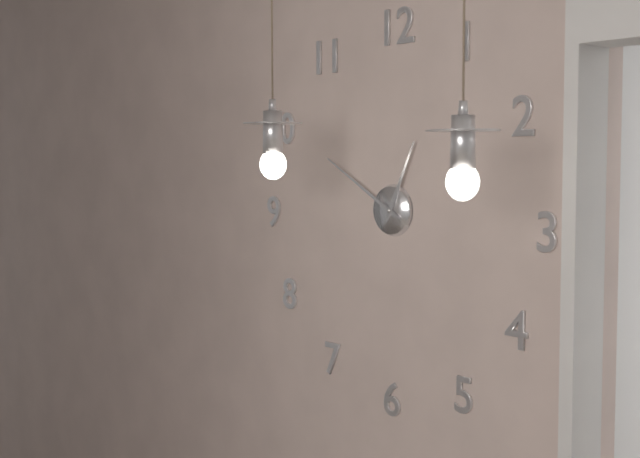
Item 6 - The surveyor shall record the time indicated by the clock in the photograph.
12:50
